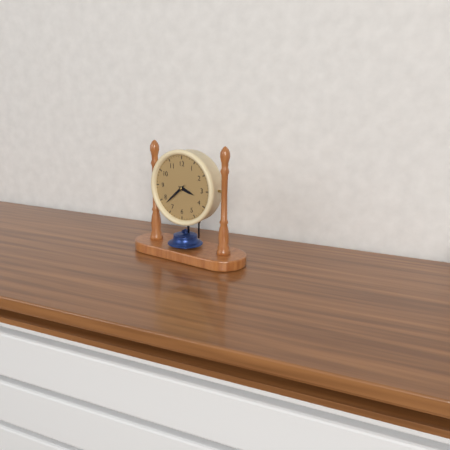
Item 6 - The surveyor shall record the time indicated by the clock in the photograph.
3:38
